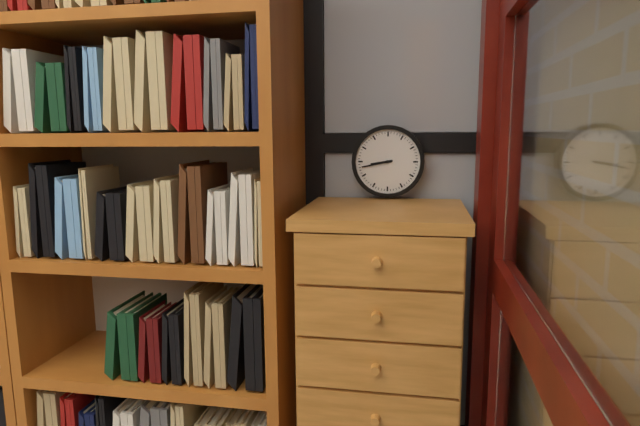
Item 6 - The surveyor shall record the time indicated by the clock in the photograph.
8:43
